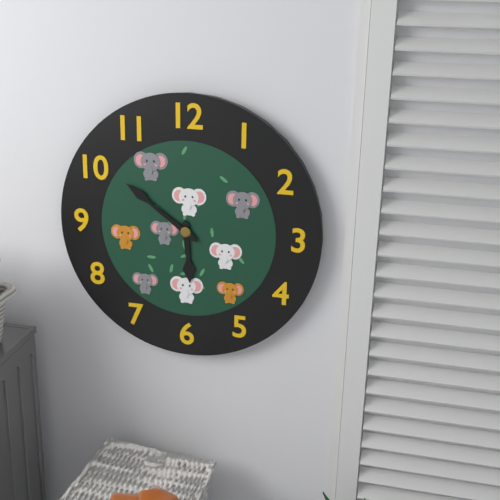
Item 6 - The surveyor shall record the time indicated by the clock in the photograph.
5:51
